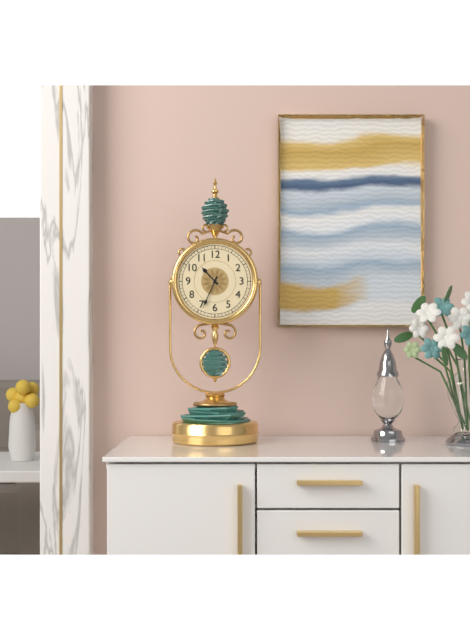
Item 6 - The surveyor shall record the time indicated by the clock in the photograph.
10:34
